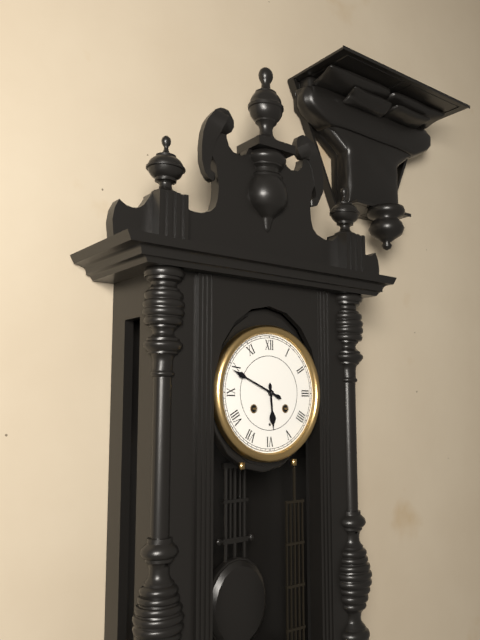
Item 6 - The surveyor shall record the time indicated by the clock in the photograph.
5:49
